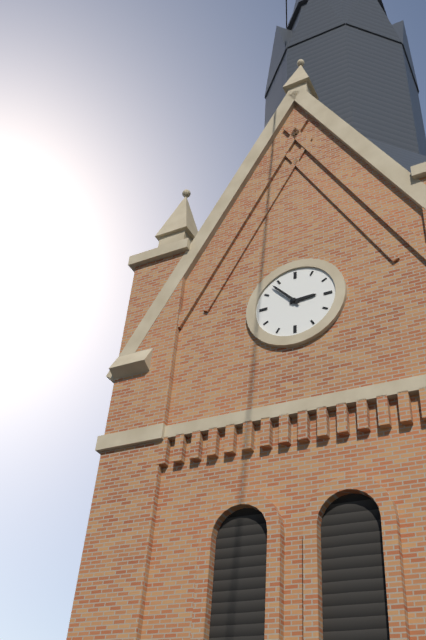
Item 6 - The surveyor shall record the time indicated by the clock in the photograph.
2:53
